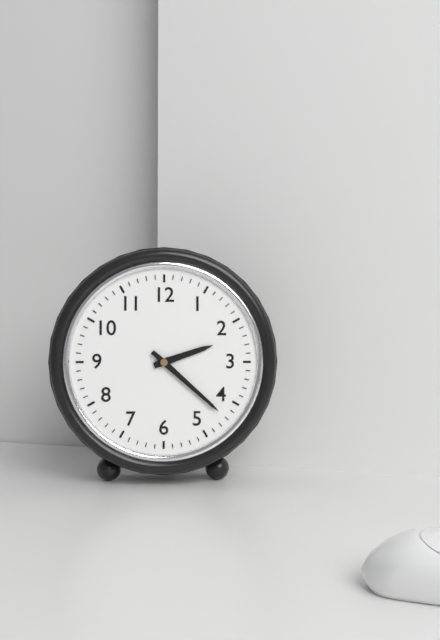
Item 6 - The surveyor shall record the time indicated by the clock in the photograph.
2:22
